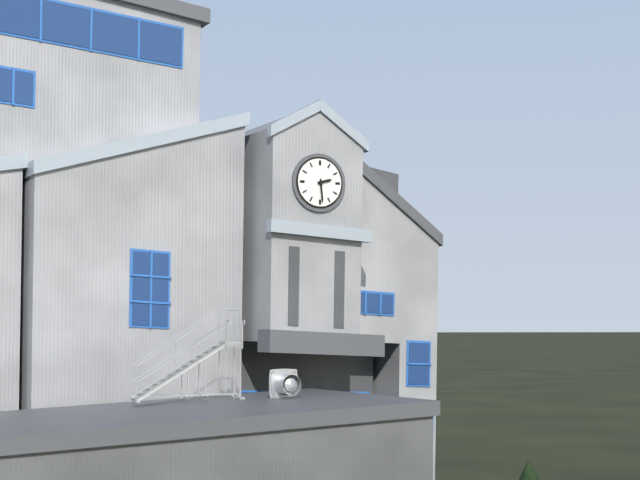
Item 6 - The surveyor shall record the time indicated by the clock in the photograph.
2:29
